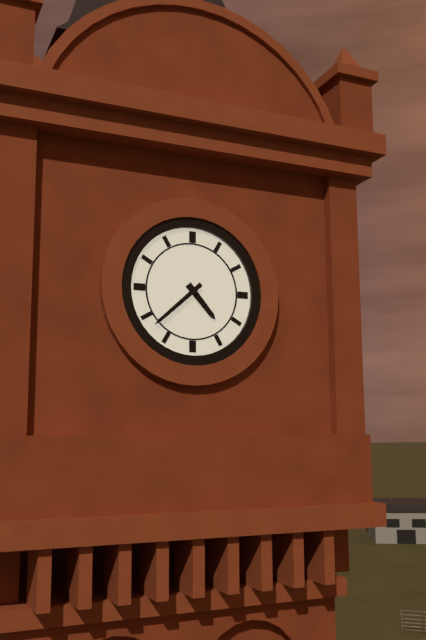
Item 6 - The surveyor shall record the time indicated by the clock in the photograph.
4:38
